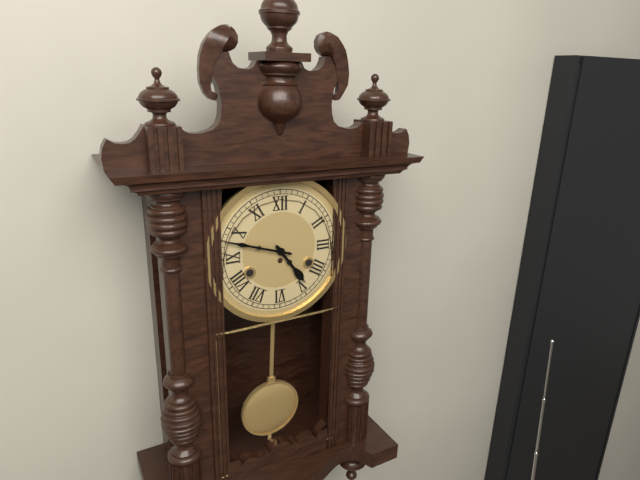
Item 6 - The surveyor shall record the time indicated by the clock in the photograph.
4:48
